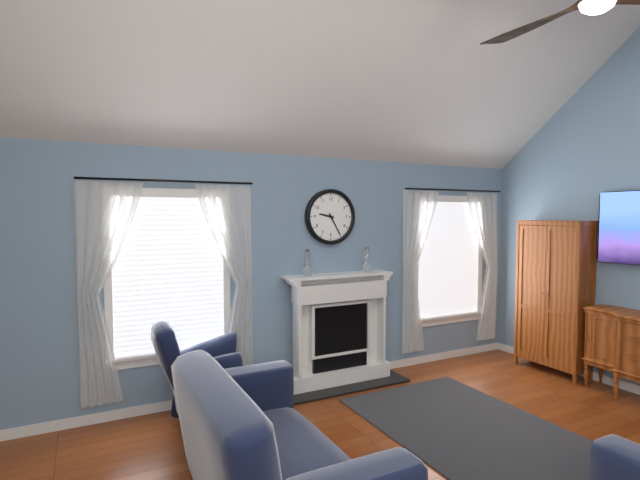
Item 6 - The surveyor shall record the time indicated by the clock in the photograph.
9:25
